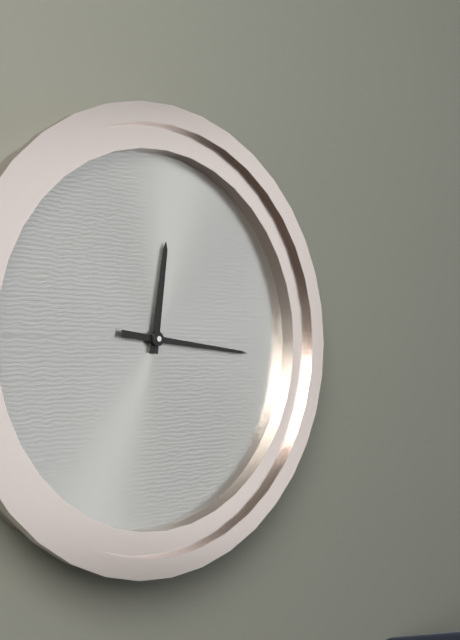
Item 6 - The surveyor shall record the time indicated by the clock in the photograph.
12:16
